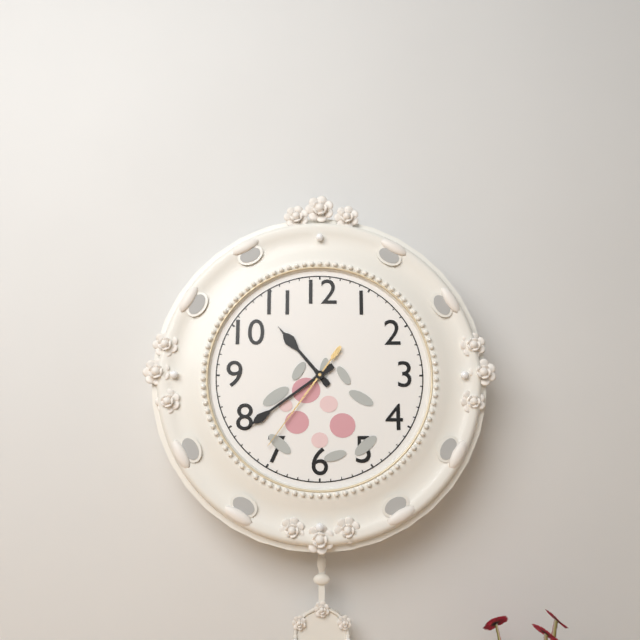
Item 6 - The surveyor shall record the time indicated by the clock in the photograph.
10:39:36
